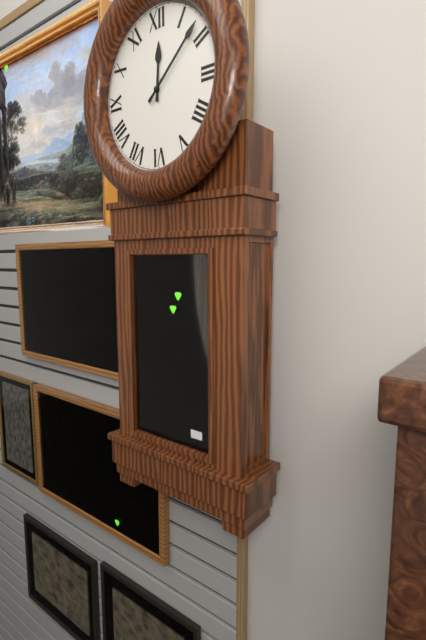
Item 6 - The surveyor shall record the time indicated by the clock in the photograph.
12:08
